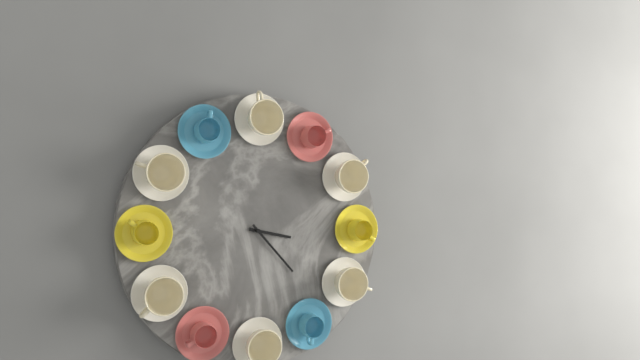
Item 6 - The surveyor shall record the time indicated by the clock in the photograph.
3:23
